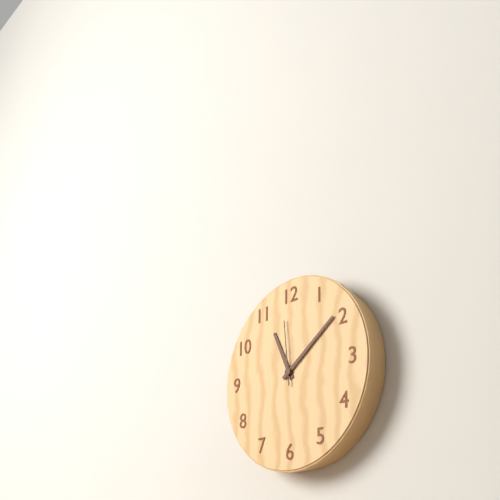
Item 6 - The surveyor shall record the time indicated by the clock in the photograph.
11:09:59
